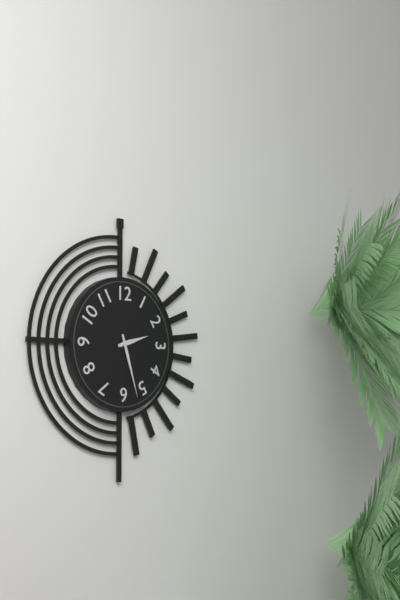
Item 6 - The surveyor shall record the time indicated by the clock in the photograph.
2:27
